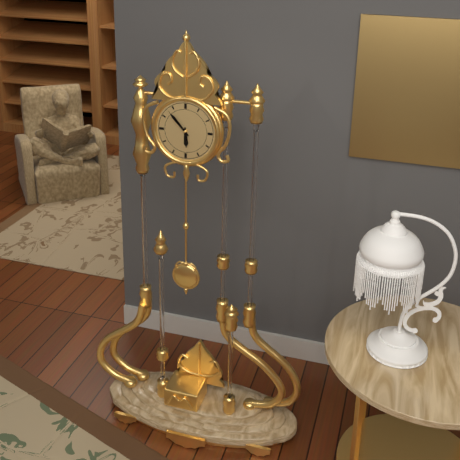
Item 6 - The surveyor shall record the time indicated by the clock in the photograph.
5:53
